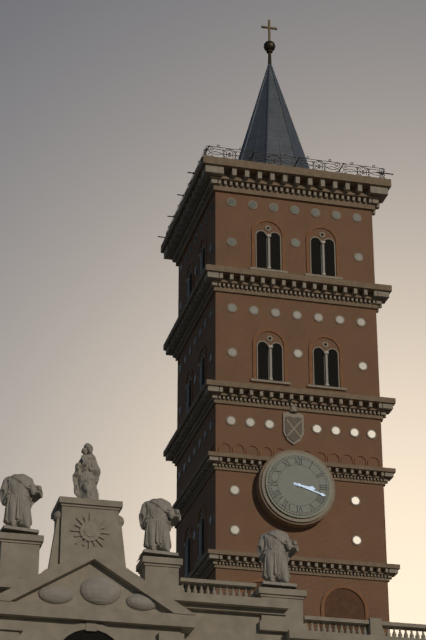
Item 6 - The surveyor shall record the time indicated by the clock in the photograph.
3:18
